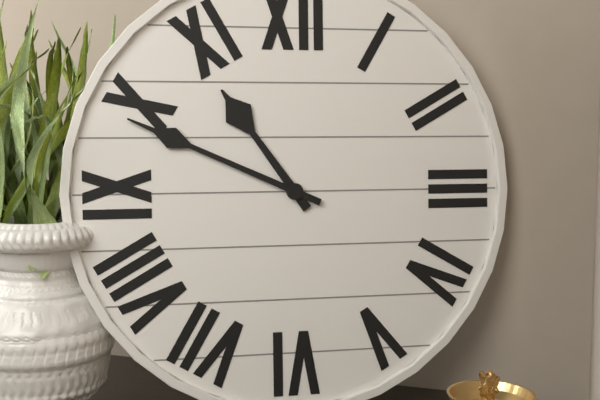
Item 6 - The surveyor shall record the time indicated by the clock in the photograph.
10:49
